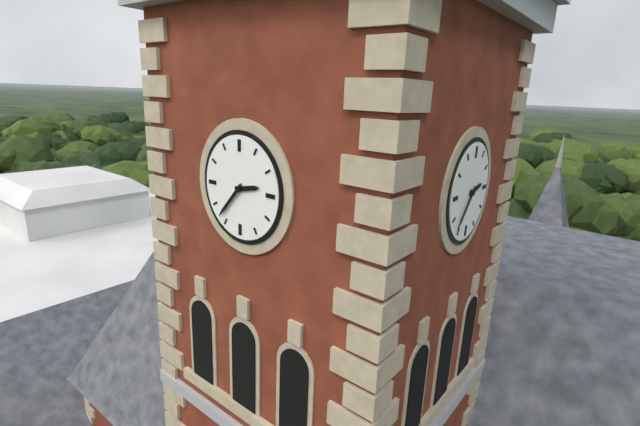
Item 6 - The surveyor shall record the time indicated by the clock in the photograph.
2:37
